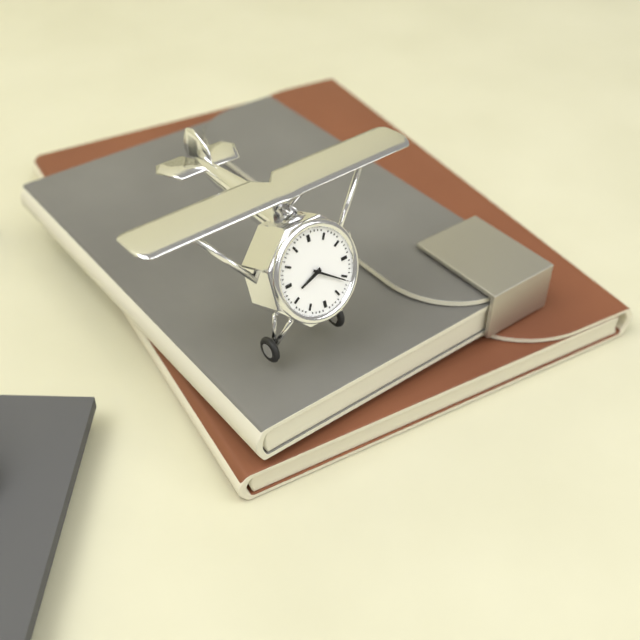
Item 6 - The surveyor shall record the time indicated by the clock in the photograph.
8:21
